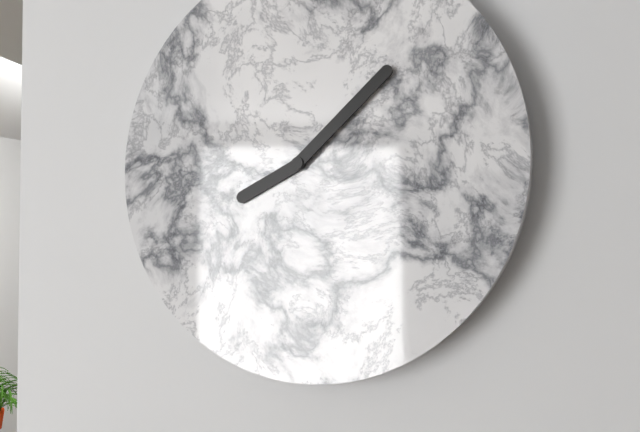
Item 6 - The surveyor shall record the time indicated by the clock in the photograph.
8:08
